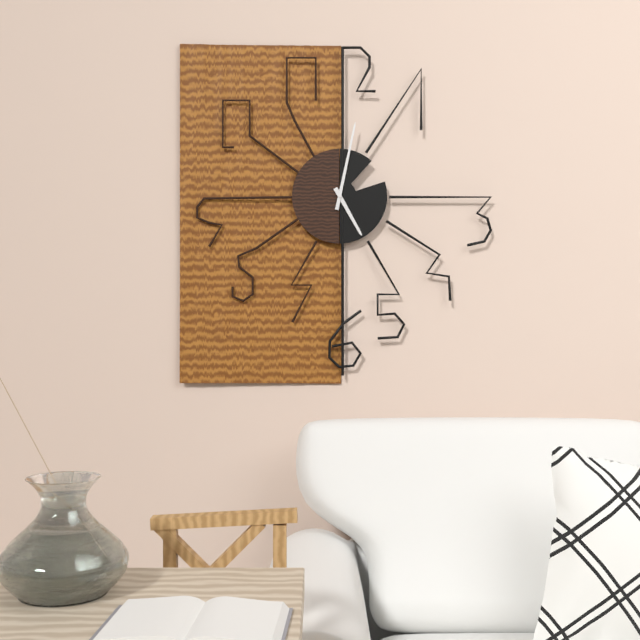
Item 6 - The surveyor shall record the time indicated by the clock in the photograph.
5:02
